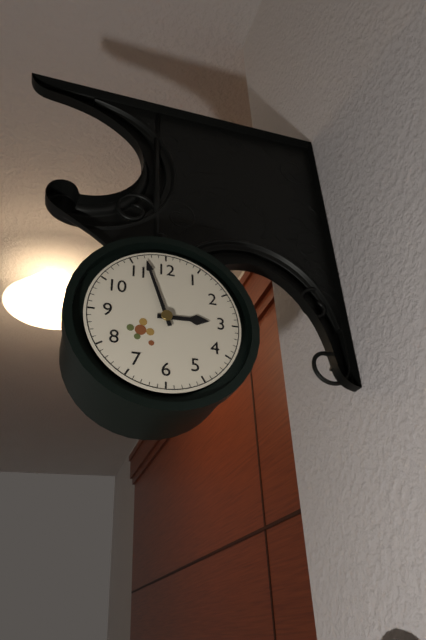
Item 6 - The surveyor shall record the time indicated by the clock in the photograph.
2:57
